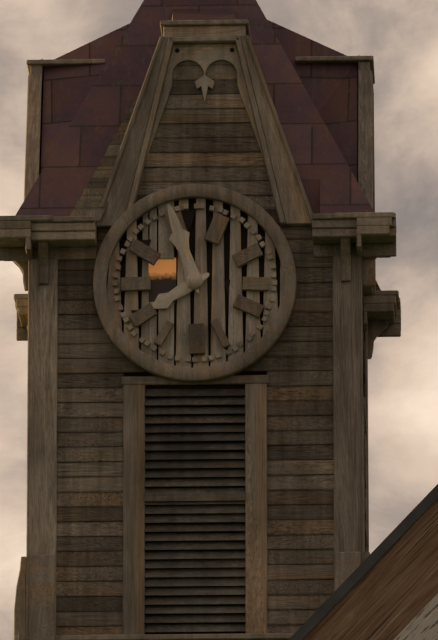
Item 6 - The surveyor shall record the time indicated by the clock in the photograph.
7:57
